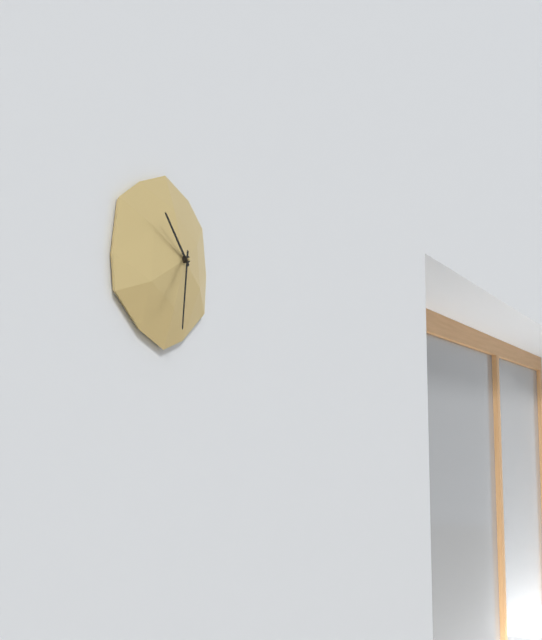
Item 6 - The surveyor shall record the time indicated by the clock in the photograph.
10:31
